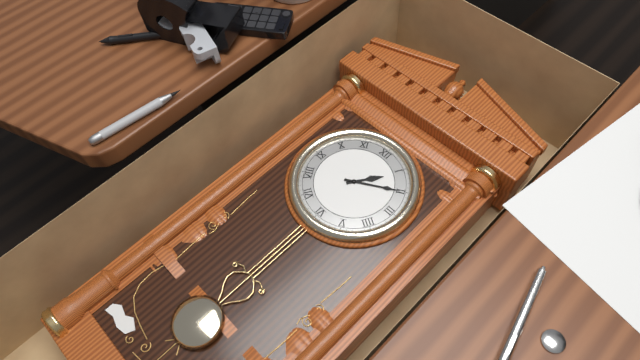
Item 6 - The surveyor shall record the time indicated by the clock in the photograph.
1:10
